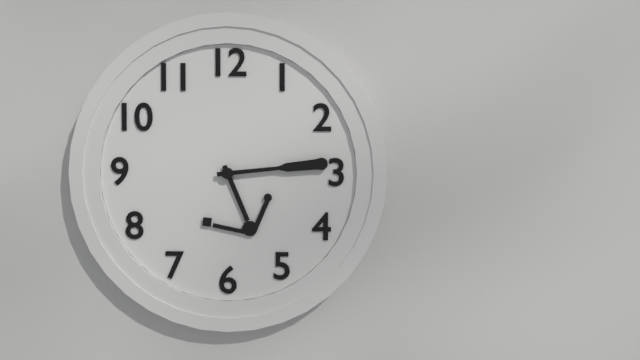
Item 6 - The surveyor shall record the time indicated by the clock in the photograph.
5:14
